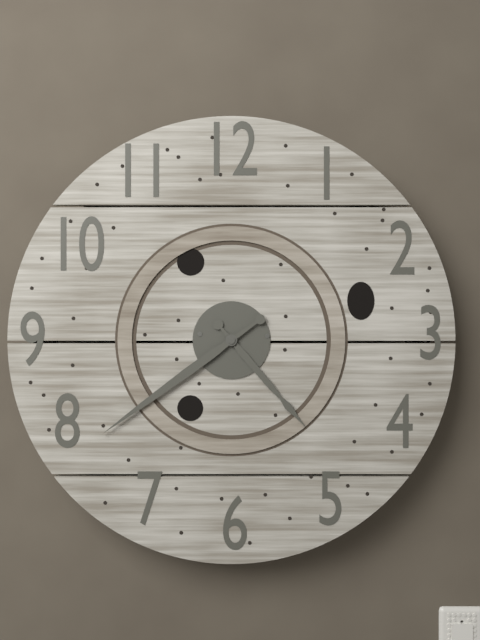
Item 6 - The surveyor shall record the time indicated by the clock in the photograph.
4:39
